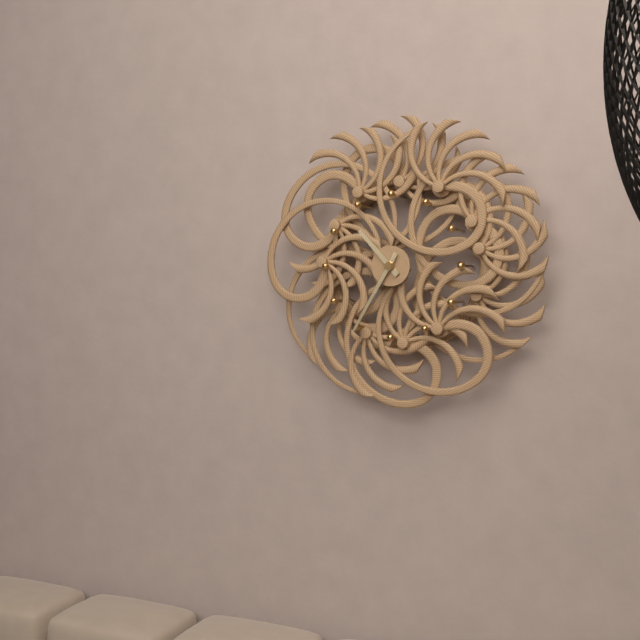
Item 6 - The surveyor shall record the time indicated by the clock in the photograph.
10:35
